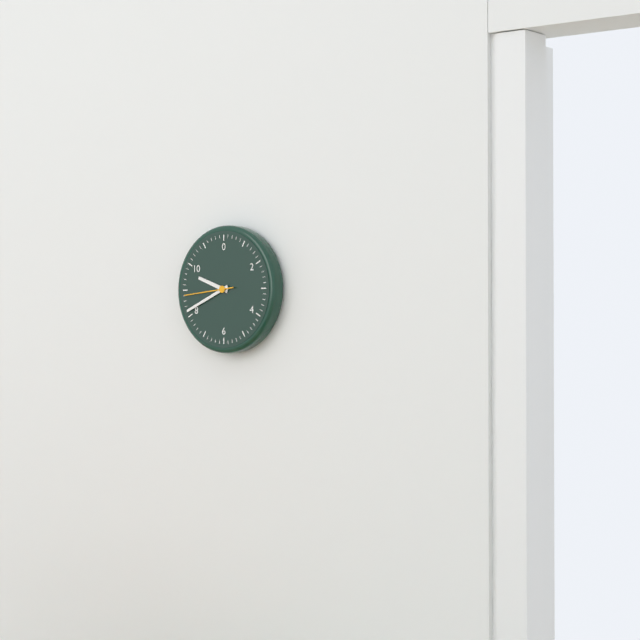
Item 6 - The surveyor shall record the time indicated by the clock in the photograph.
9:41:44
